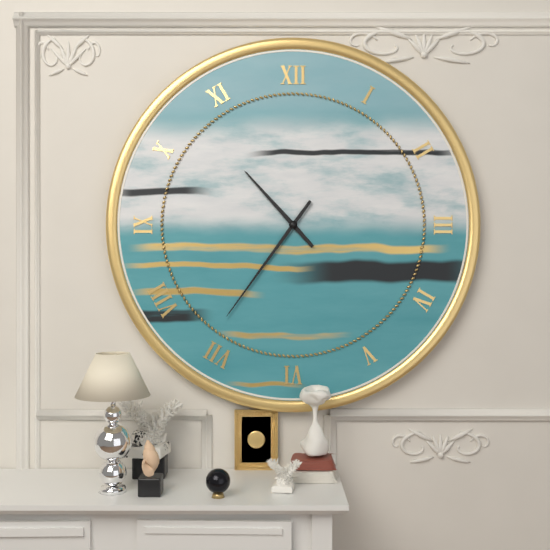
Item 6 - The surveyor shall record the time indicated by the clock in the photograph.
10:36
